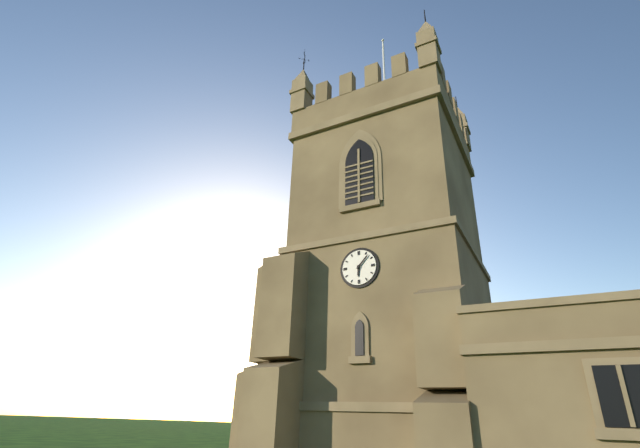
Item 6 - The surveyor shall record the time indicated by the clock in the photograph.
6:07
